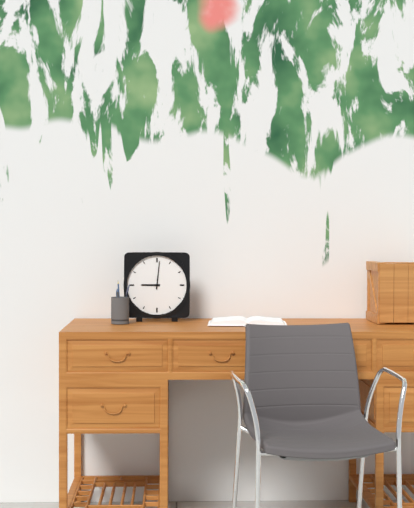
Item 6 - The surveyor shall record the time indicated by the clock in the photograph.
9:01
